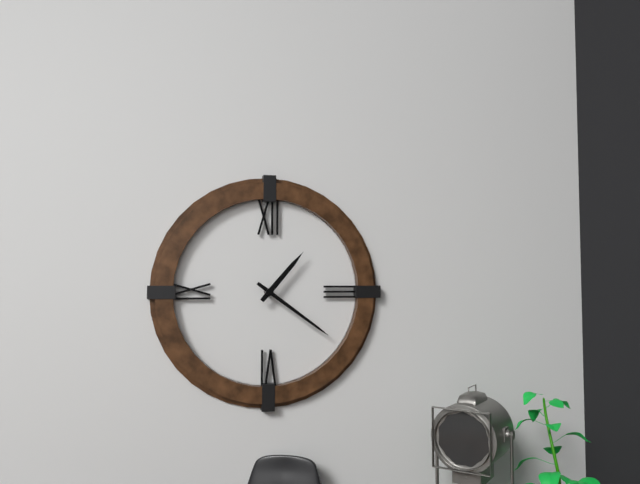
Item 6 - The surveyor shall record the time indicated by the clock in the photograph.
1:21
